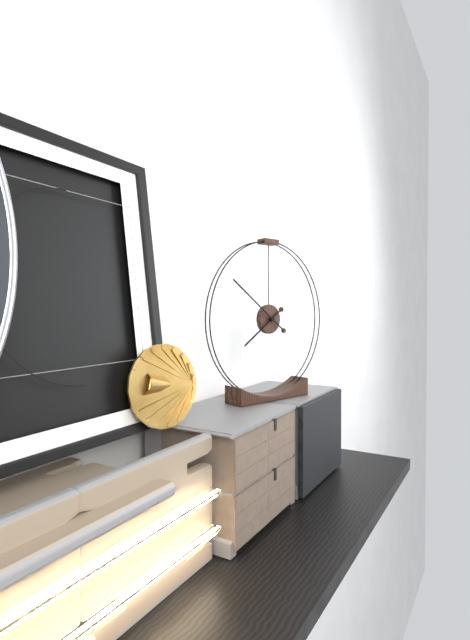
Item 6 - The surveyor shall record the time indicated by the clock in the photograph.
7:51
